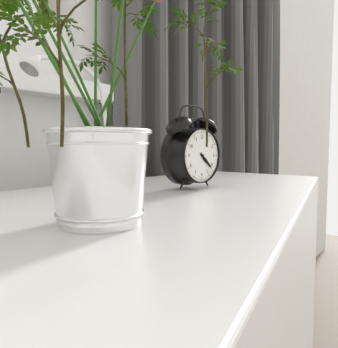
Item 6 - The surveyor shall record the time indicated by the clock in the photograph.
4:22
